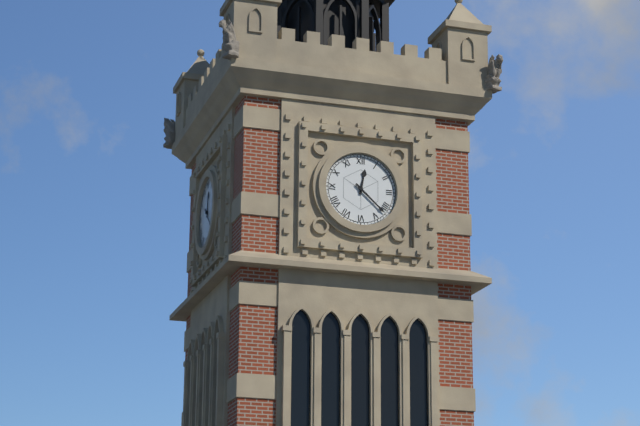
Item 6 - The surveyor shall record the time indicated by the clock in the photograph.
12:22
